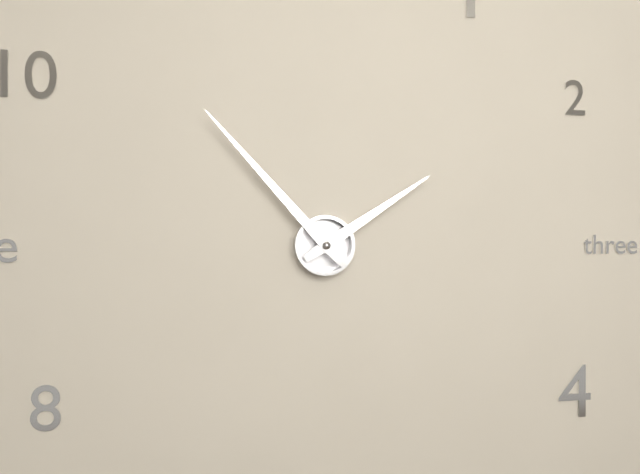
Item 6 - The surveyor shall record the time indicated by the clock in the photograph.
1:53
